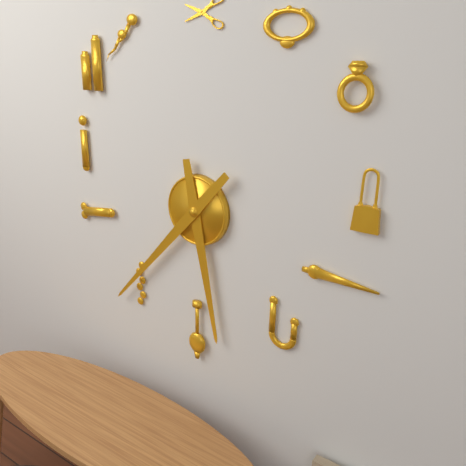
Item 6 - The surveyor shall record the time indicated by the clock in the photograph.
5:37
